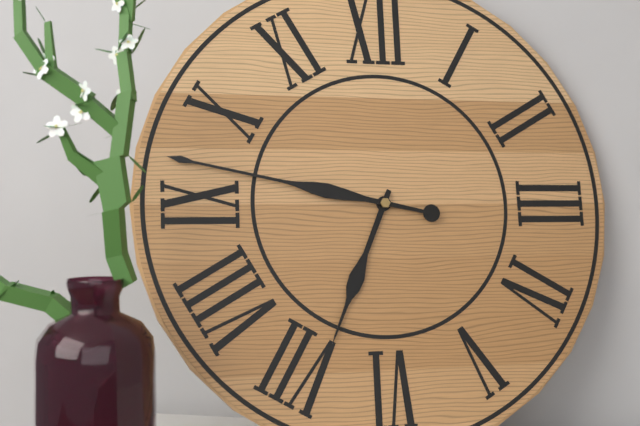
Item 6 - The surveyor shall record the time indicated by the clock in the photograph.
6:47
